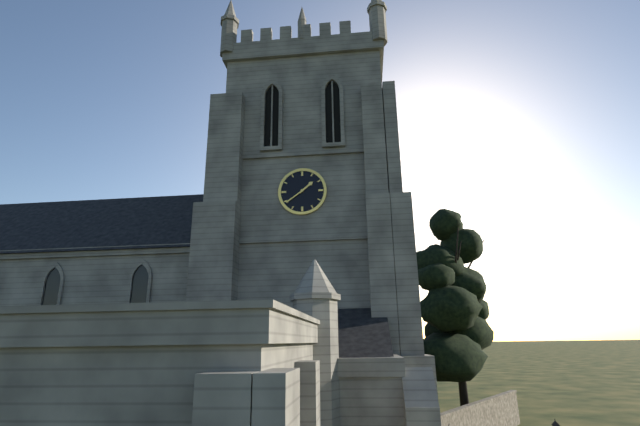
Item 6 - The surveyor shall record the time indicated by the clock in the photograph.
1:39
